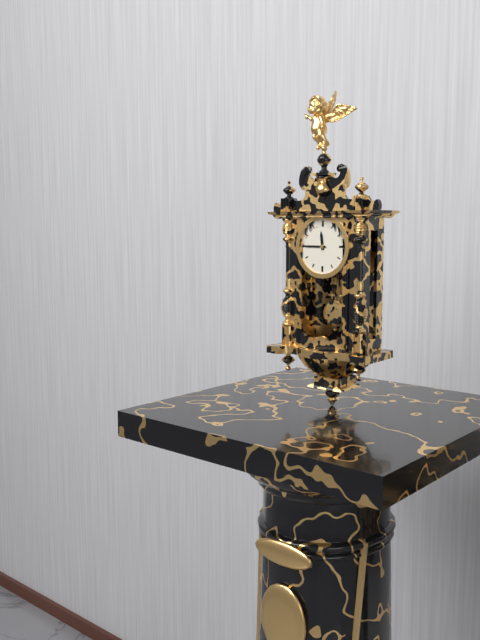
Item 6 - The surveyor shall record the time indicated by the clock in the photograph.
11:45
